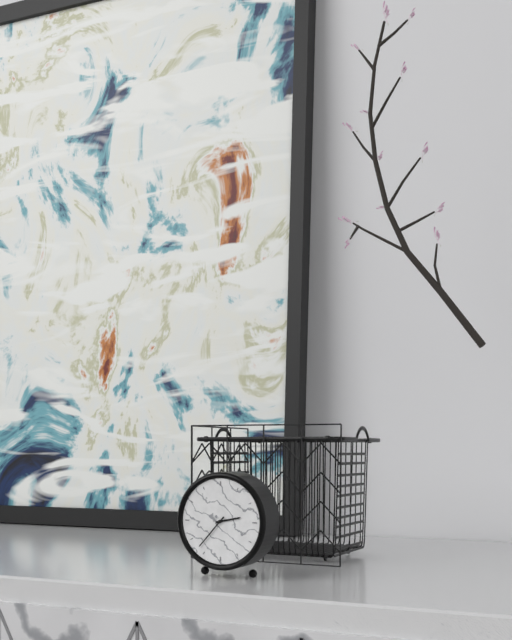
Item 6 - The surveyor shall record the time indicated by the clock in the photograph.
2:37
